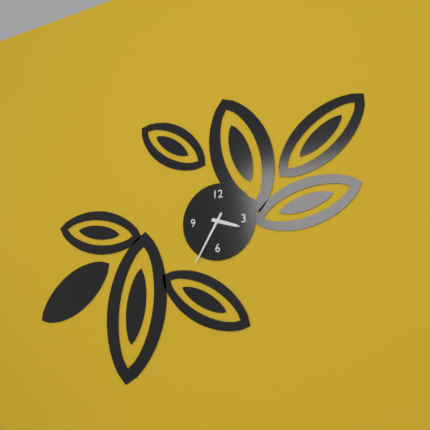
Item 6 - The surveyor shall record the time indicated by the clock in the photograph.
3:35
